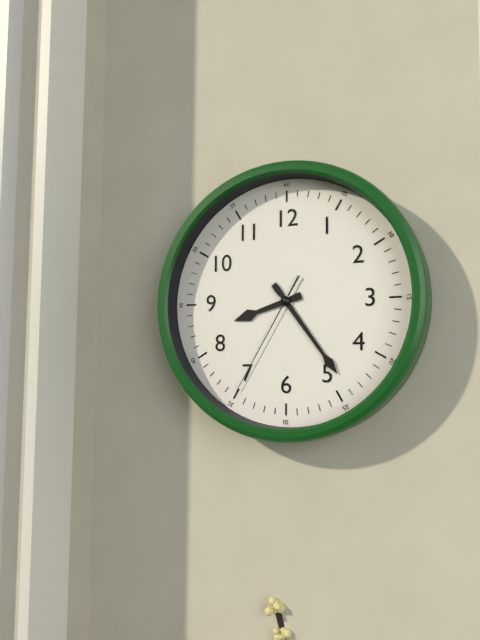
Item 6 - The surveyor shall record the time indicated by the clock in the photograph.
8:24:35
